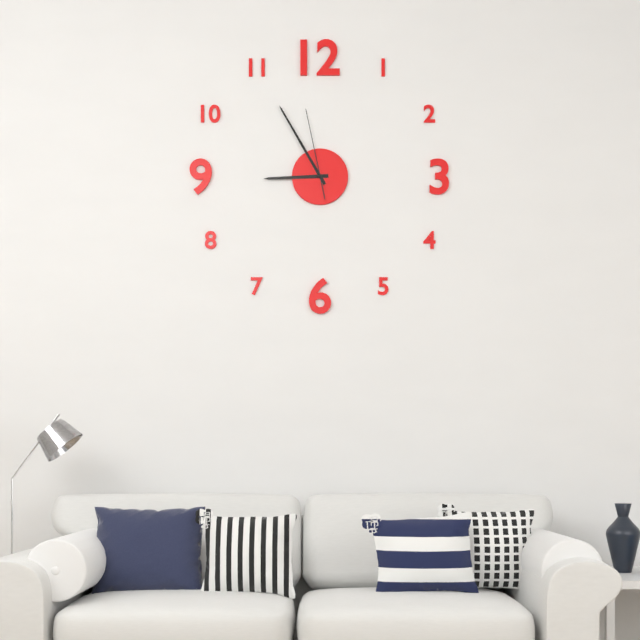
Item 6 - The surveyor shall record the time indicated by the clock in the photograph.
8:55:58
